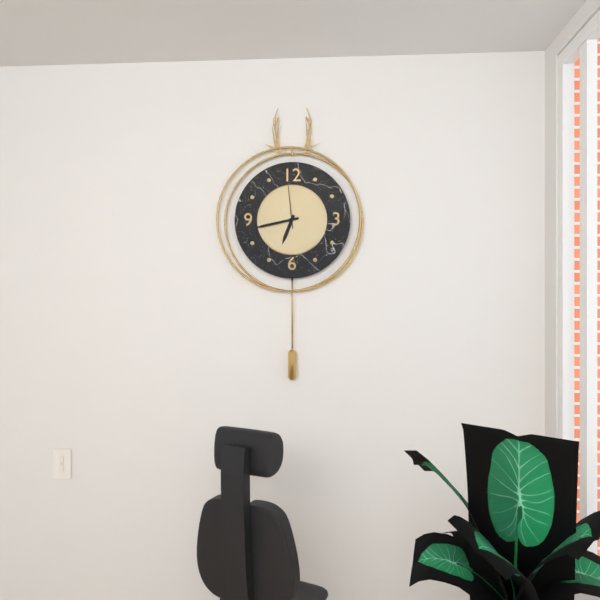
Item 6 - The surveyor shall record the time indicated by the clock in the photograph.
6:43
